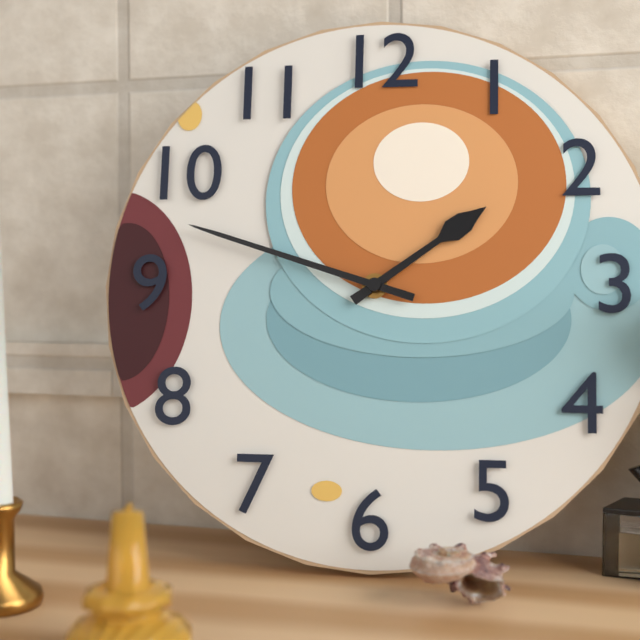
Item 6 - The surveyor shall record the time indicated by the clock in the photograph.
1:48
